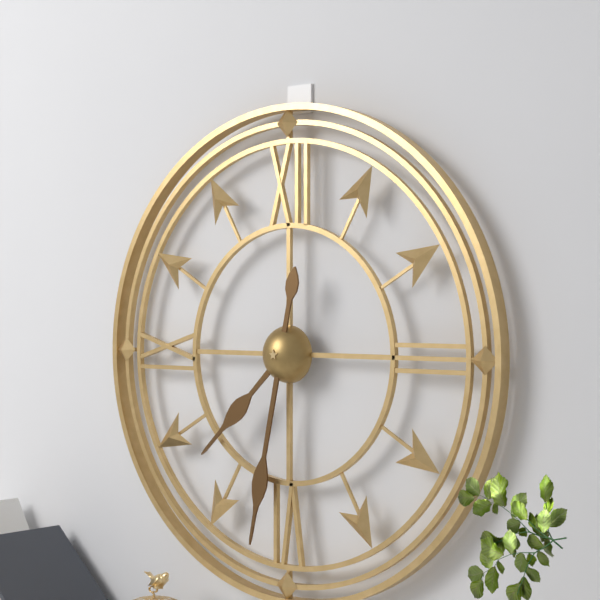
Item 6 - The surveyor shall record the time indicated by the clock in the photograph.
7:32
